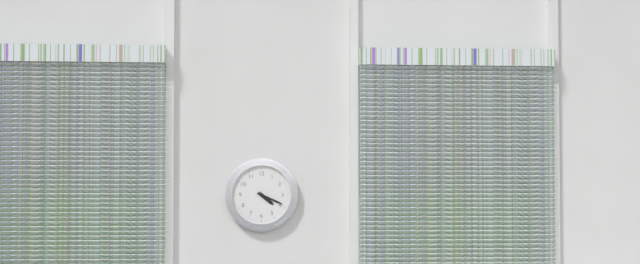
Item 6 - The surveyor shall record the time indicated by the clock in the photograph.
4:19
